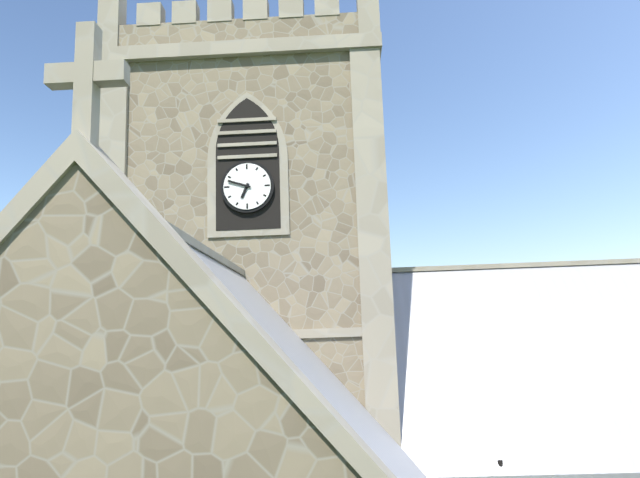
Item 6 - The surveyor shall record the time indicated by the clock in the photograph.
6:48
